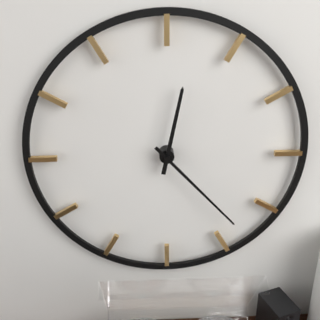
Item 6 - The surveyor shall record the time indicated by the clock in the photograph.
12:23
